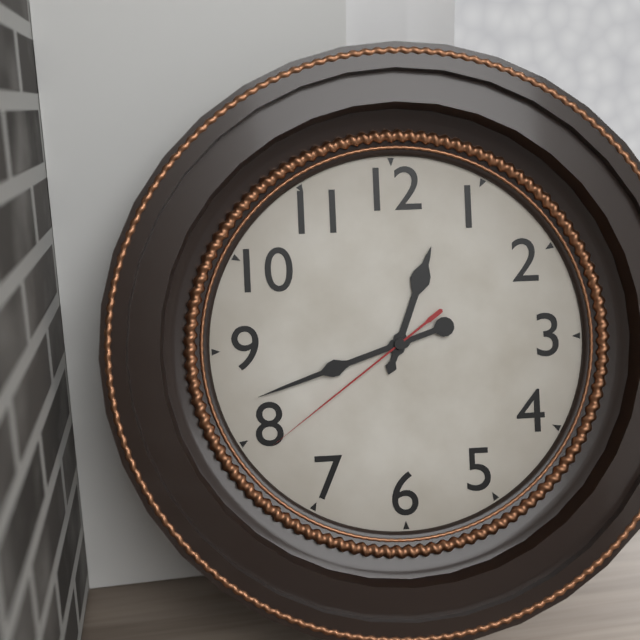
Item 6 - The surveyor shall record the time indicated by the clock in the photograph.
12:42:39
